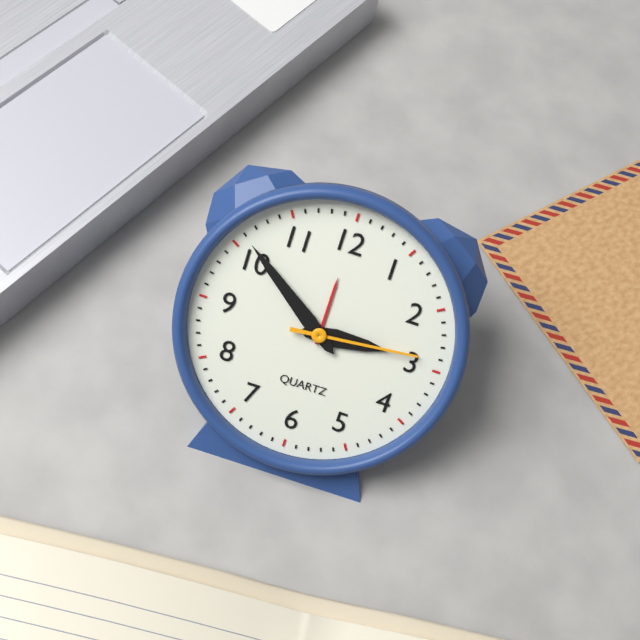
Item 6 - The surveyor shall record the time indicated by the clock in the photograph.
2:51:14
